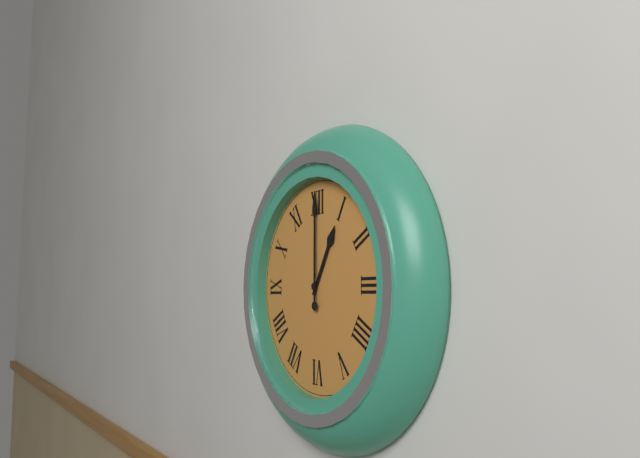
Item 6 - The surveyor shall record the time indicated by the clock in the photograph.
1:00
